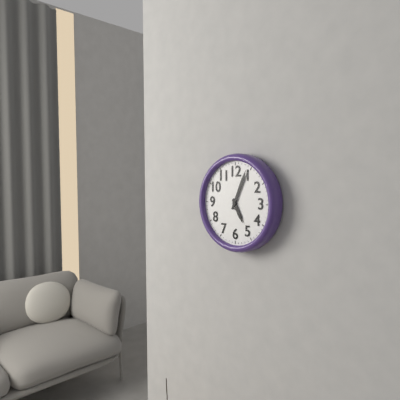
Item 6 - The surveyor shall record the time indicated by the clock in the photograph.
5:04
